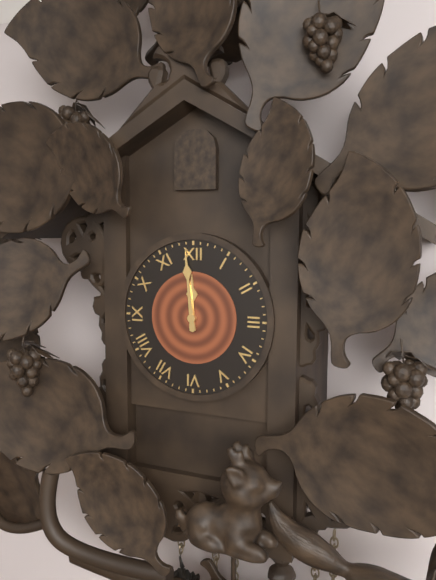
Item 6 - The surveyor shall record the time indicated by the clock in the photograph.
11:59
